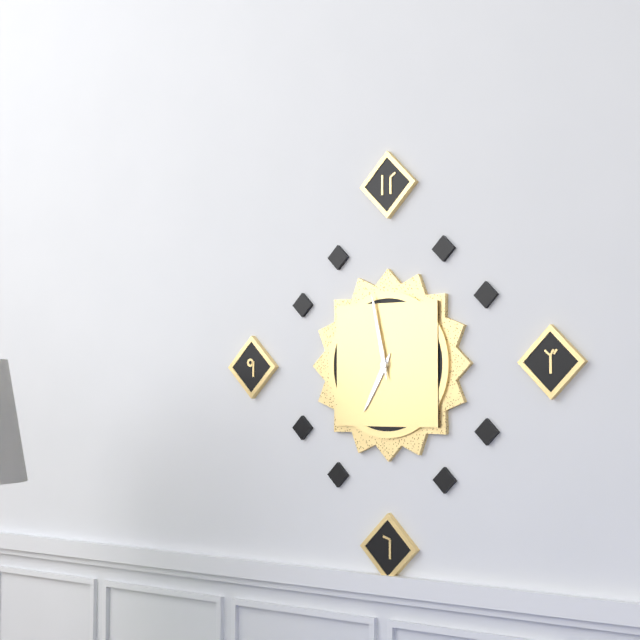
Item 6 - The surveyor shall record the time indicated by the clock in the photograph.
6:58
